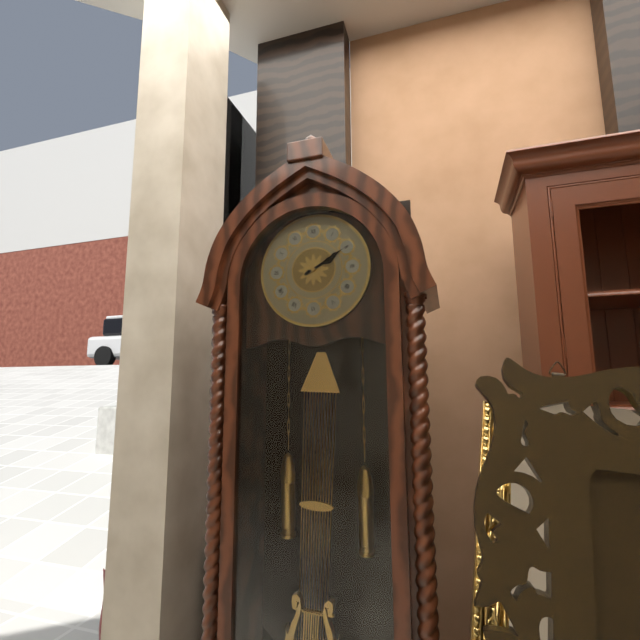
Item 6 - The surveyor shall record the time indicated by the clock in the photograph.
2:10
